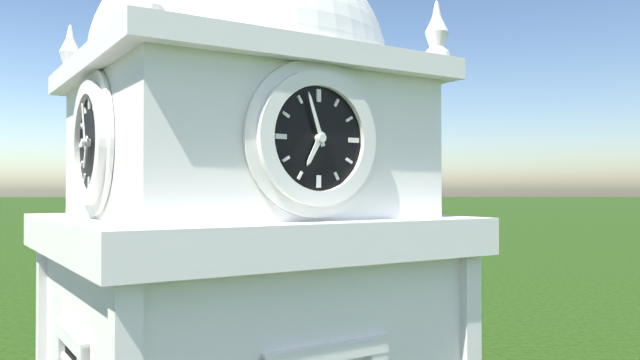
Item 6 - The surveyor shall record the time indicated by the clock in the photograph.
6:57
